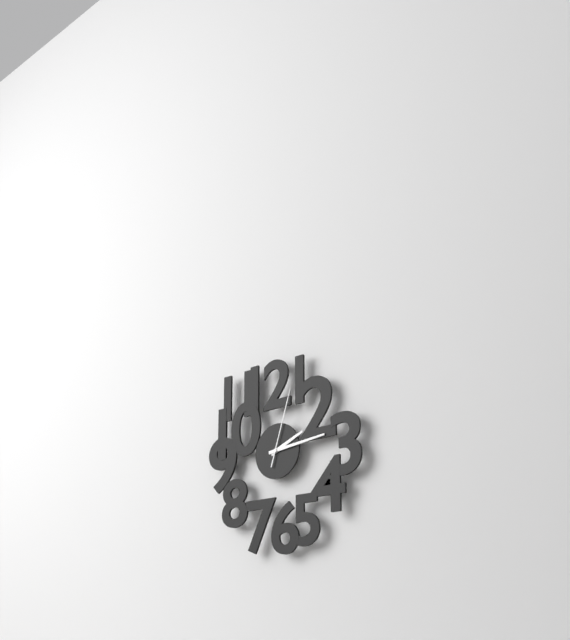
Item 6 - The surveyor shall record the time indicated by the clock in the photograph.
2:14:03
